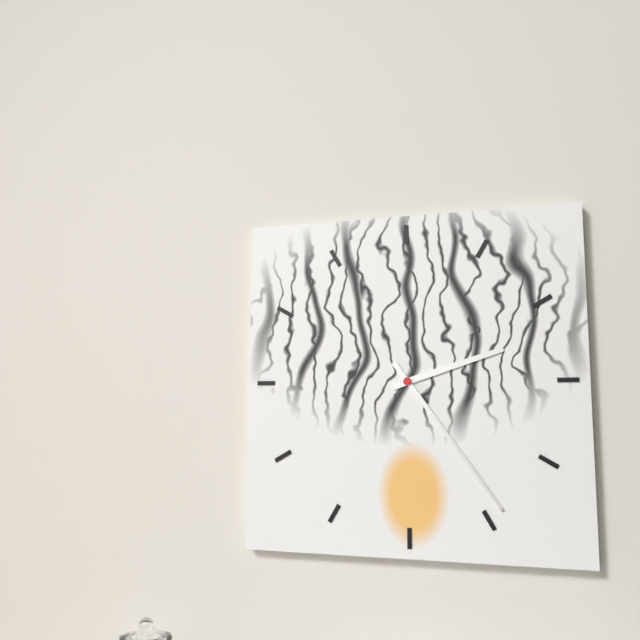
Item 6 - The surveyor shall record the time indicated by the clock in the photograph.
2:24
